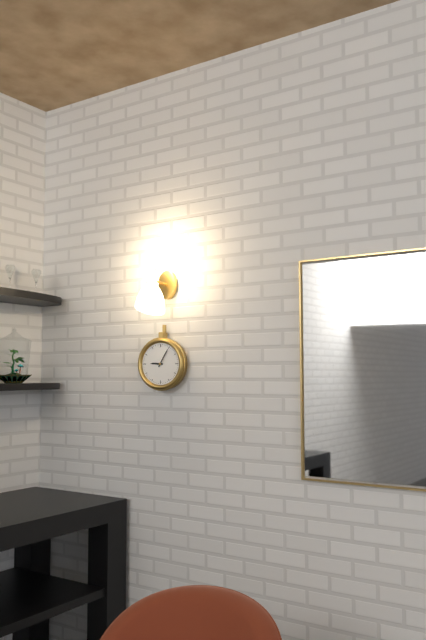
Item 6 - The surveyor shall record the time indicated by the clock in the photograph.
9:05
